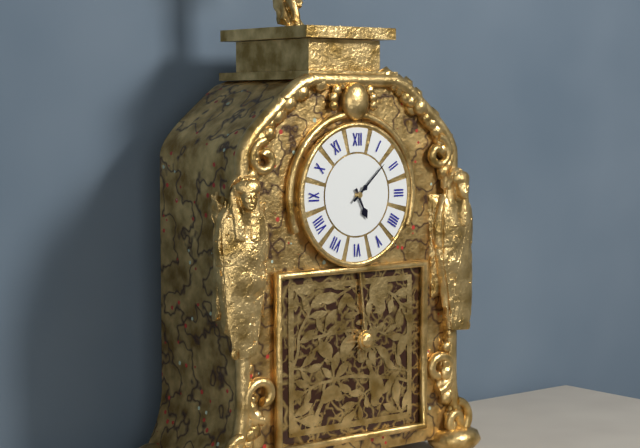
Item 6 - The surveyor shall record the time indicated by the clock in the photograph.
5:08
